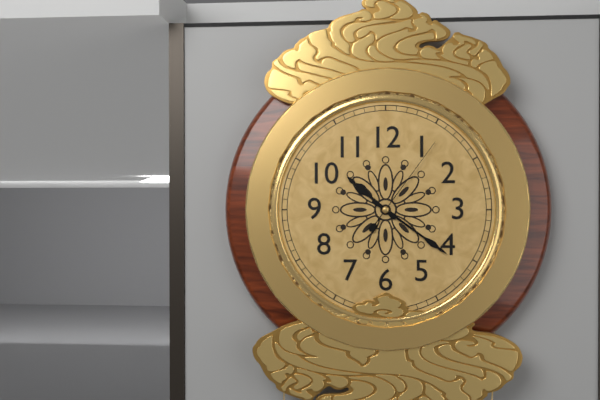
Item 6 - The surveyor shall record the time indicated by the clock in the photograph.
10:21:06
